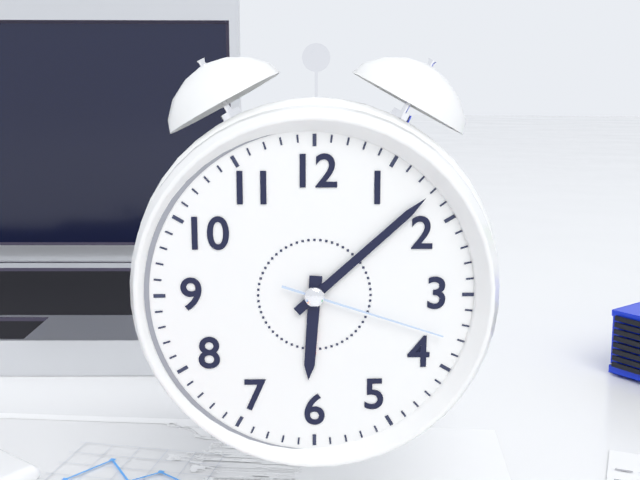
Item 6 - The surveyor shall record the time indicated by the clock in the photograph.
6:08:18
